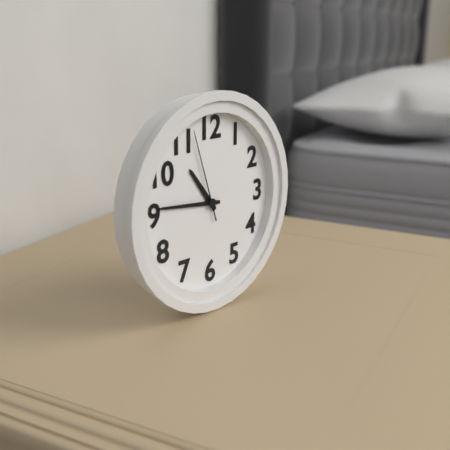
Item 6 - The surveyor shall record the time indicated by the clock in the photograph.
10:46:57
